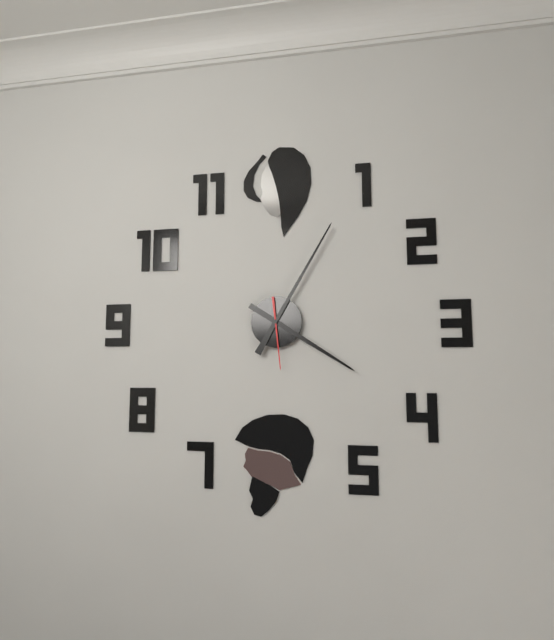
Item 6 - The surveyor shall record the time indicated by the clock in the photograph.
4:05:29
